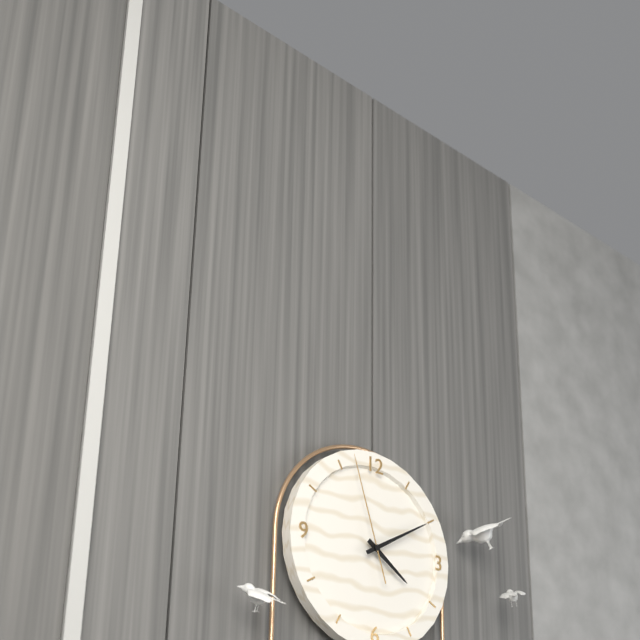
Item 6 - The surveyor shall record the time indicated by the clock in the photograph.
4:10:57
